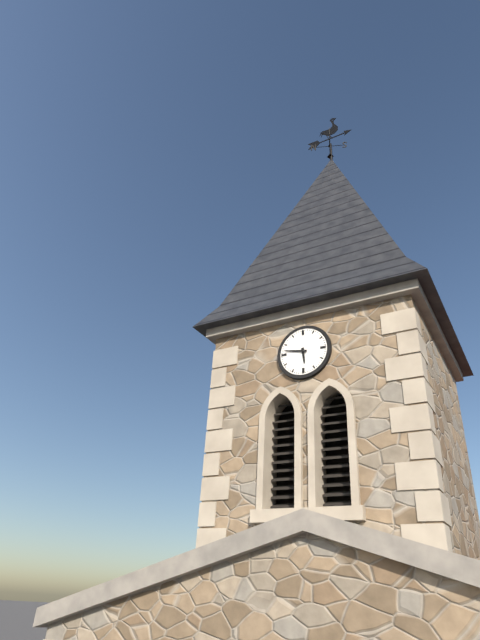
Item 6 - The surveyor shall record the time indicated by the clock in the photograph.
5:47
